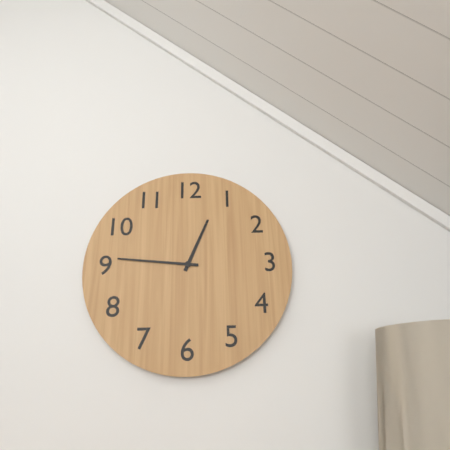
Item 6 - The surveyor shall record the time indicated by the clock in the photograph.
12:46
